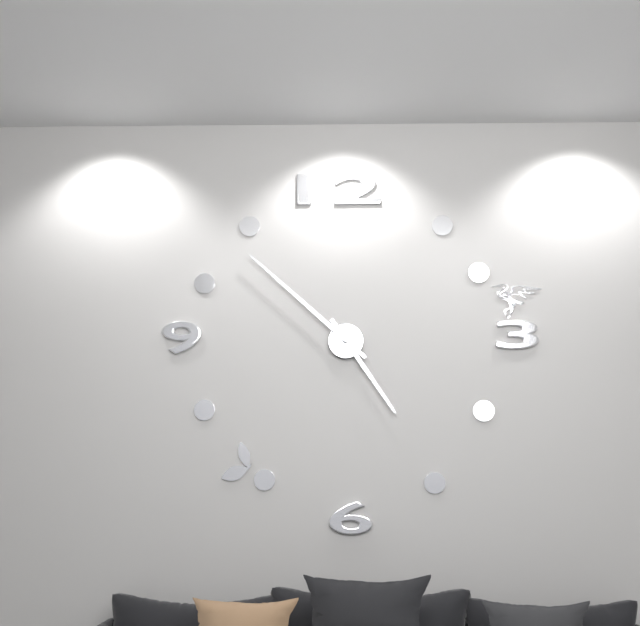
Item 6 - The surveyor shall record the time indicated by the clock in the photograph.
4:52
